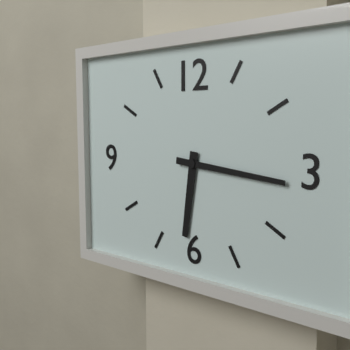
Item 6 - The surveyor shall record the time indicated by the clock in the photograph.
6:16
